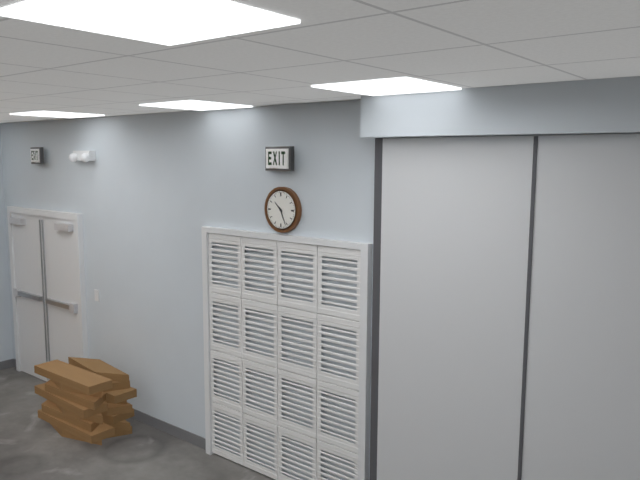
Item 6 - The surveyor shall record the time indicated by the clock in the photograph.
10:26
